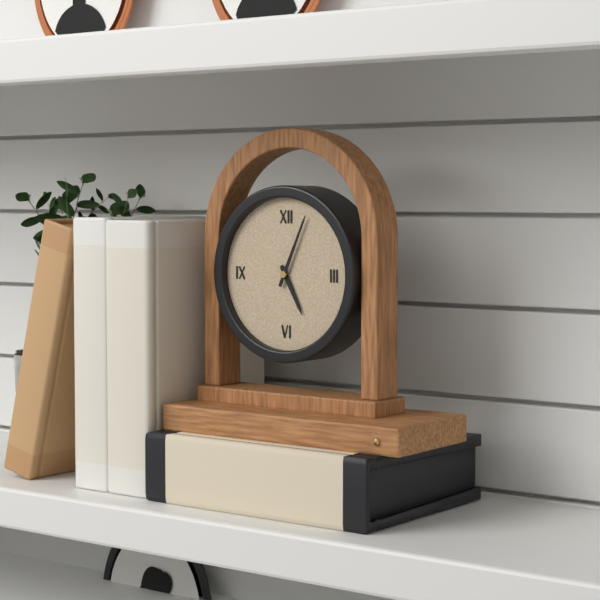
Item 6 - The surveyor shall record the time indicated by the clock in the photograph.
5:04
